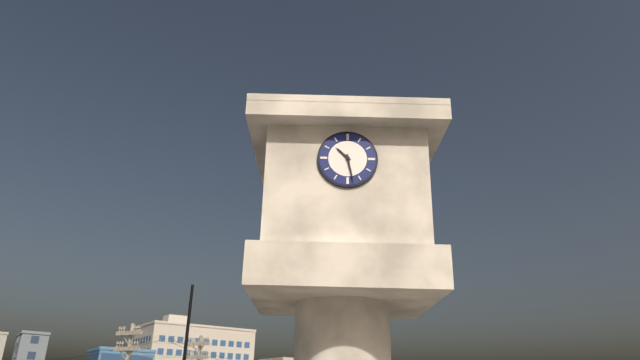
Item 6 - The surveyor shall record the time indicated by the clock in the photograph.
10:28
